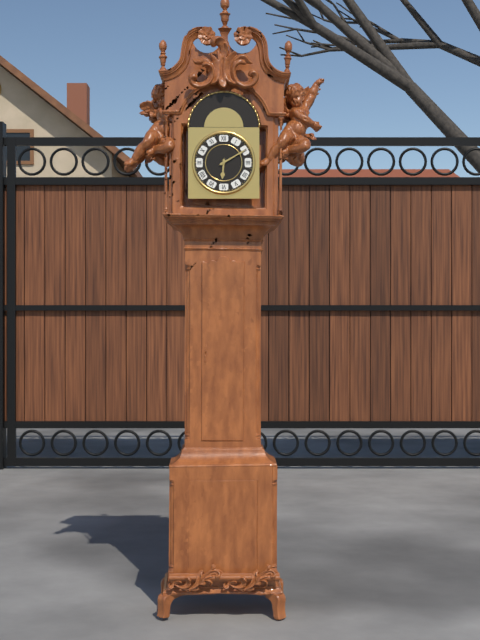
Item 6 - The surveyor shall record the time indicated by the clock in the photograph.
6:10
